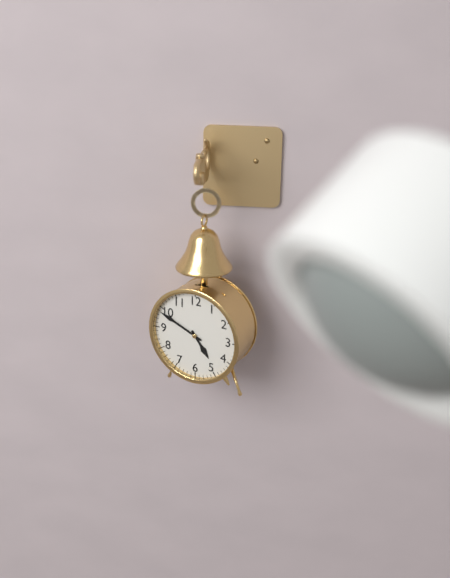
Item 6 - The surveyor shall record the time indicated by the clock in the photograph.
4:49
